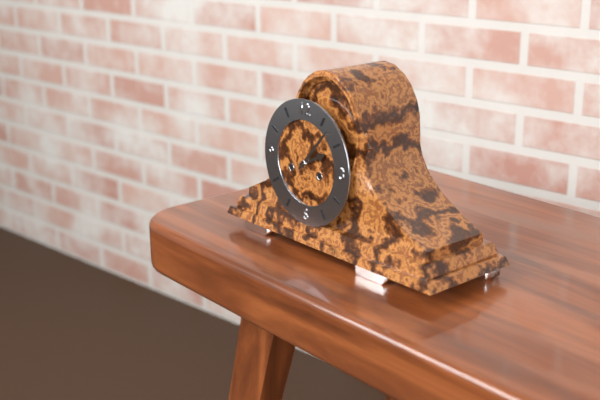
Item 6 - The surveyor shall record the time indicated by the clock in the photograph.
2:07
